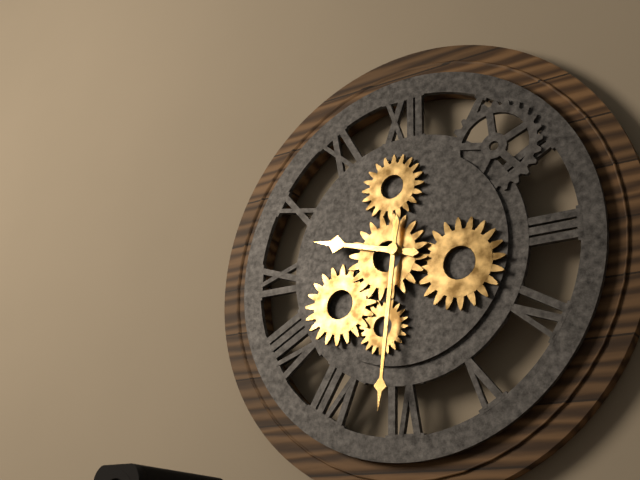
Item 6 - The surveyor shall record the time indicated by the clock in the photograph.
9:31
